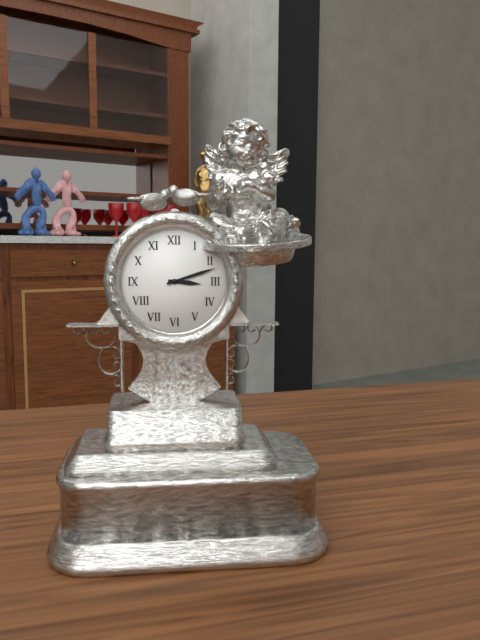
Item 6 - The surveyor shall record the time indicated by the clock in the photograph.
3:12
